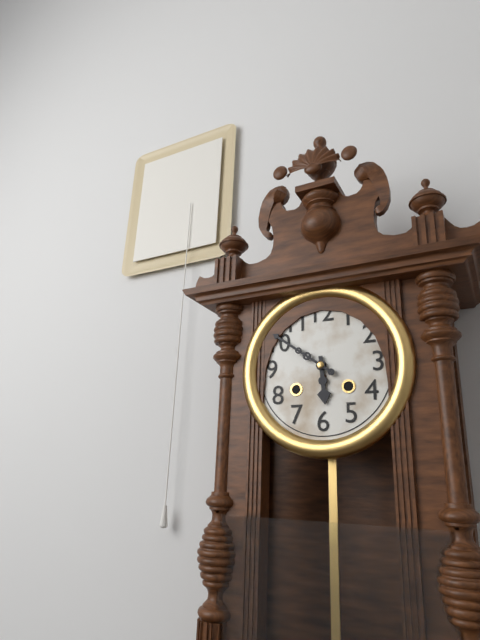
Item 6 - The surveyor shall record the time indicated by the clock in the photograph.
5:51
